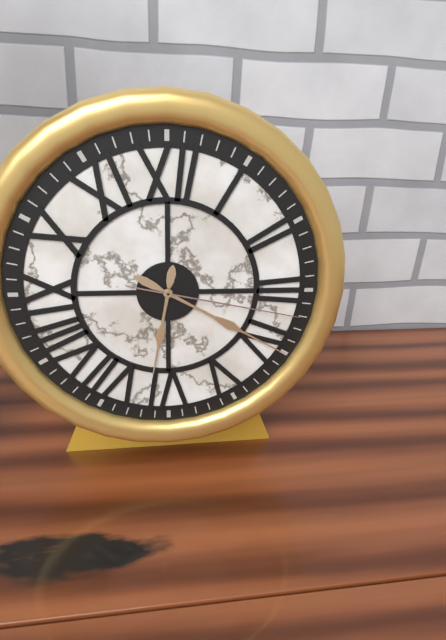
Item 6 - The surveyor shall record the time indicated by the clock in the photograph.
6:20:17
